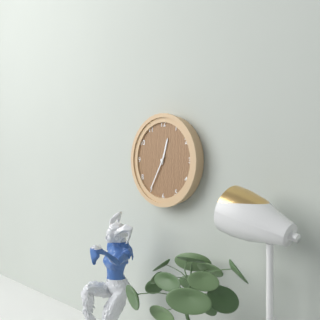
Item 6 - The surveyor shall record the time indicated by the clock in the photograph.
12:35
